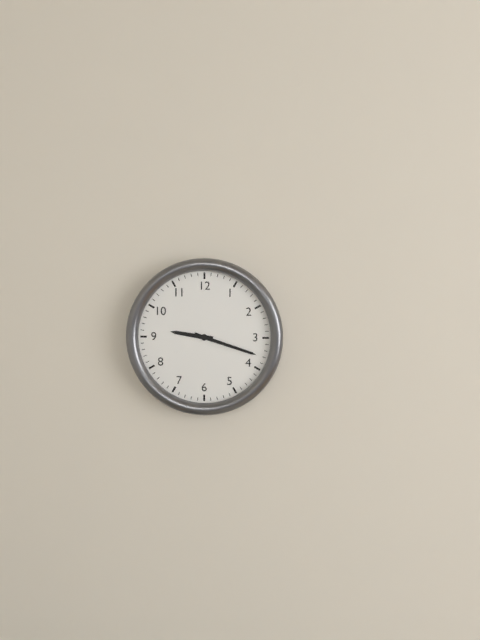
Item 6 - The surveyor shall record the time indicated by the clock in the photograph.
9:18
